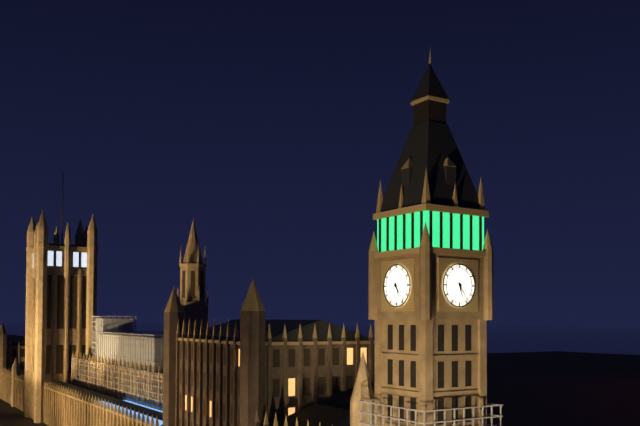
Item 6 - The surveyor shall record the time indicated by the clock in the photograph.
5:24
